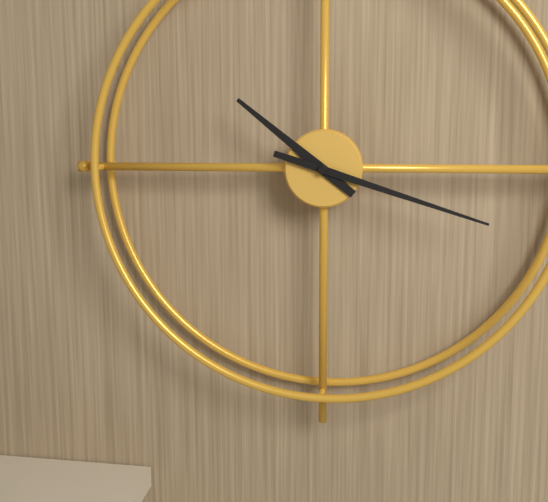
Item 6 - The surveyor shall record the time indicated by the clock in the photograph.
10:18
